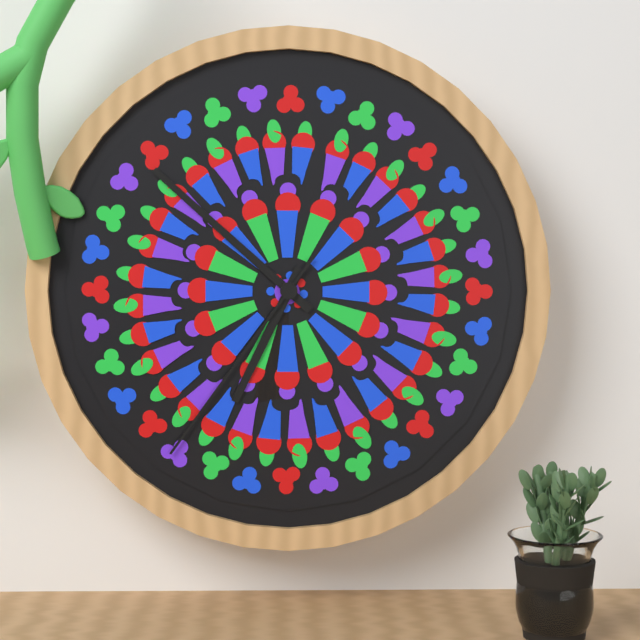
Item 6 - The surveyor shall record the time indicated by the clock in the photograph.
6:52:36
